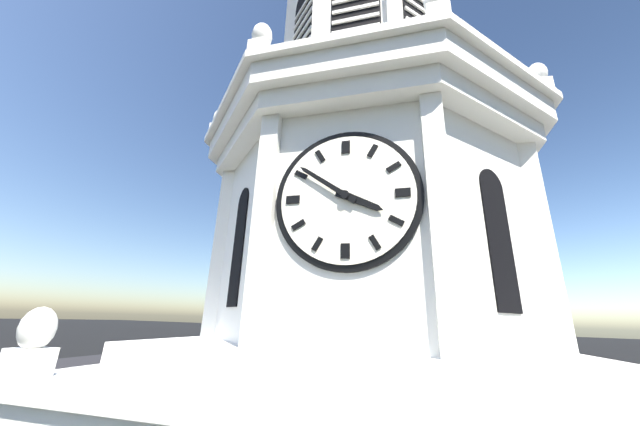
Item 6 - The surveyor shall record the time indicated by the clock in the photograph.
3:51
